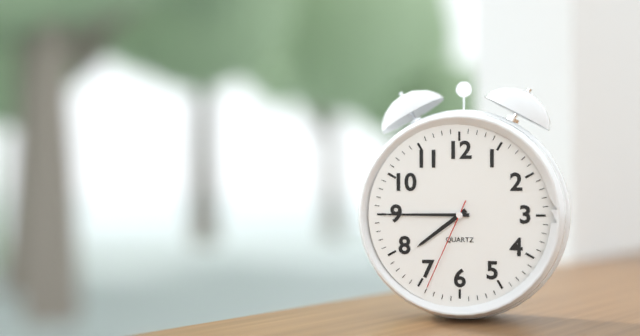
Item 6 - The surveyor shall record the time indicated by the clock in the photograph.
7:45:34
